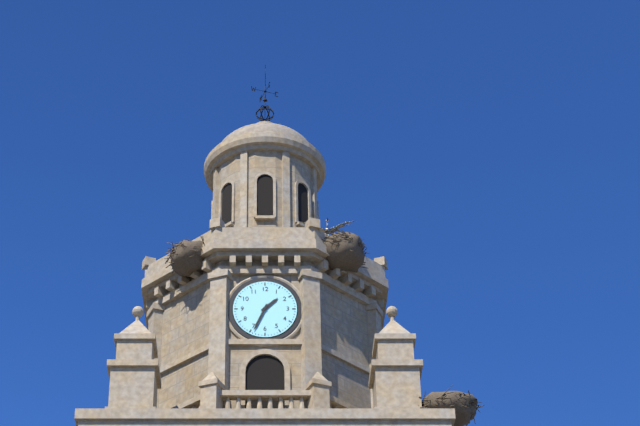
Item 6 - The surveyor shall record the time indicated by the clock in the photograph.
1:34
